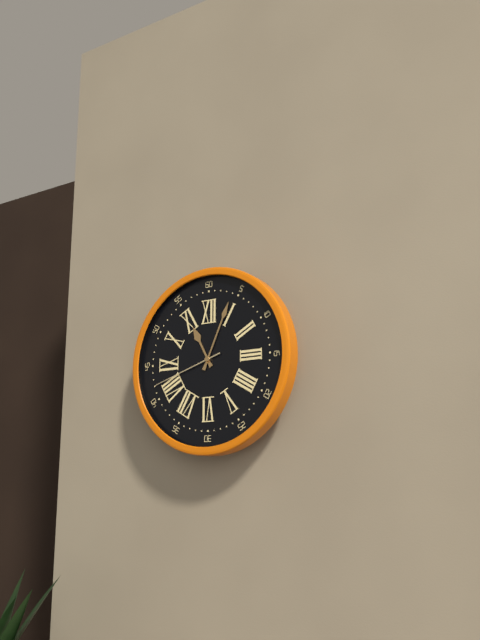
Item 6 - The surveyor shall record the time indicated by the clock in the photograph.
11:04:42
